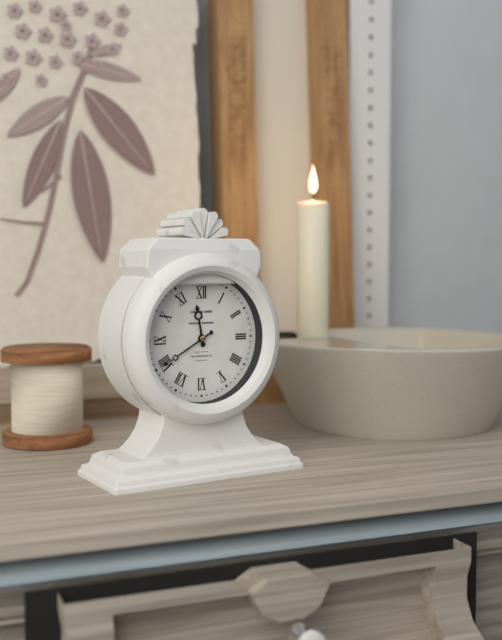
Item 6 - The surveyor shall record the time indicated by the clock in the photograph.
11:40
